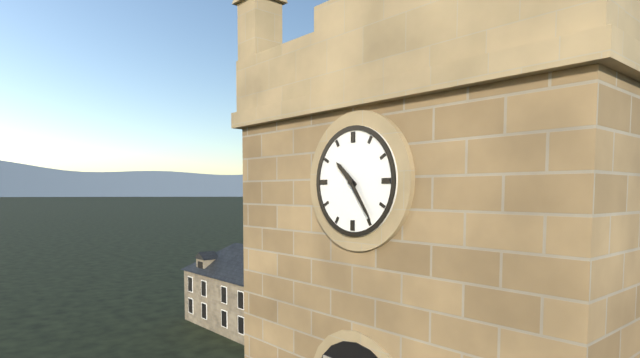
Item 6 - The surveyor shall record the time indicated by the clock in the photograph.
10:24
